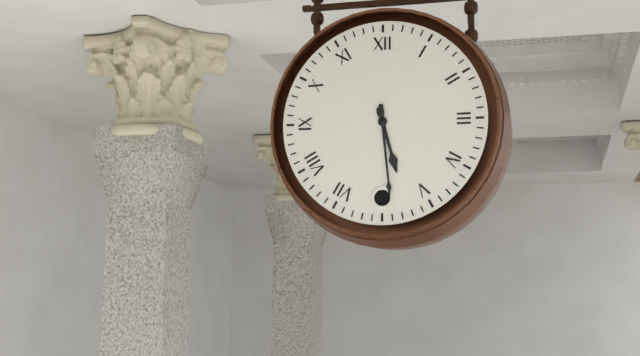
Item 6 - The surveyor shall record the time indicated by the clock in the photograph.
5:29
